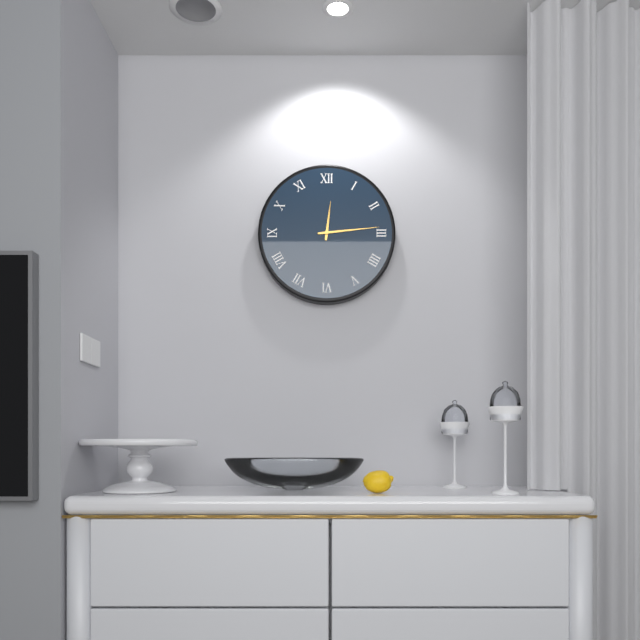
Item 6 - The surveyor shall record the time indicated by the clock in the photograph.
12:14
